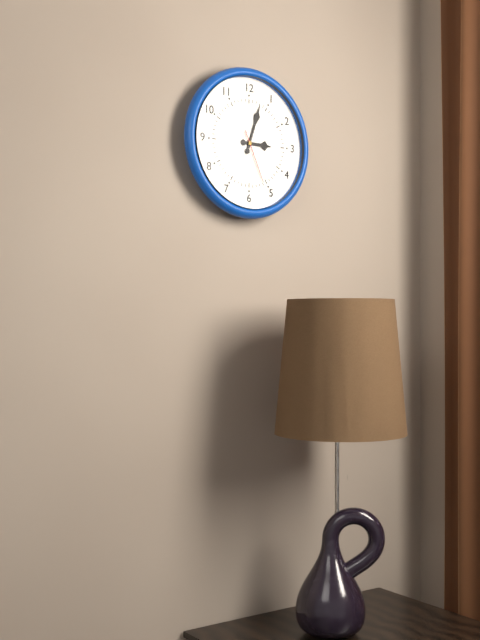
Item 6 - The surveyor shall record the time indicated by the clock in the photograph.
3:03:26
